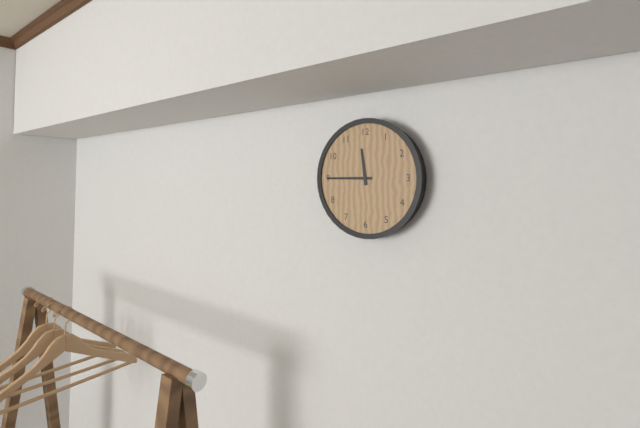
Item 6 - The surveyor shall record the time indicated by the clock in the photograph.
11:45
